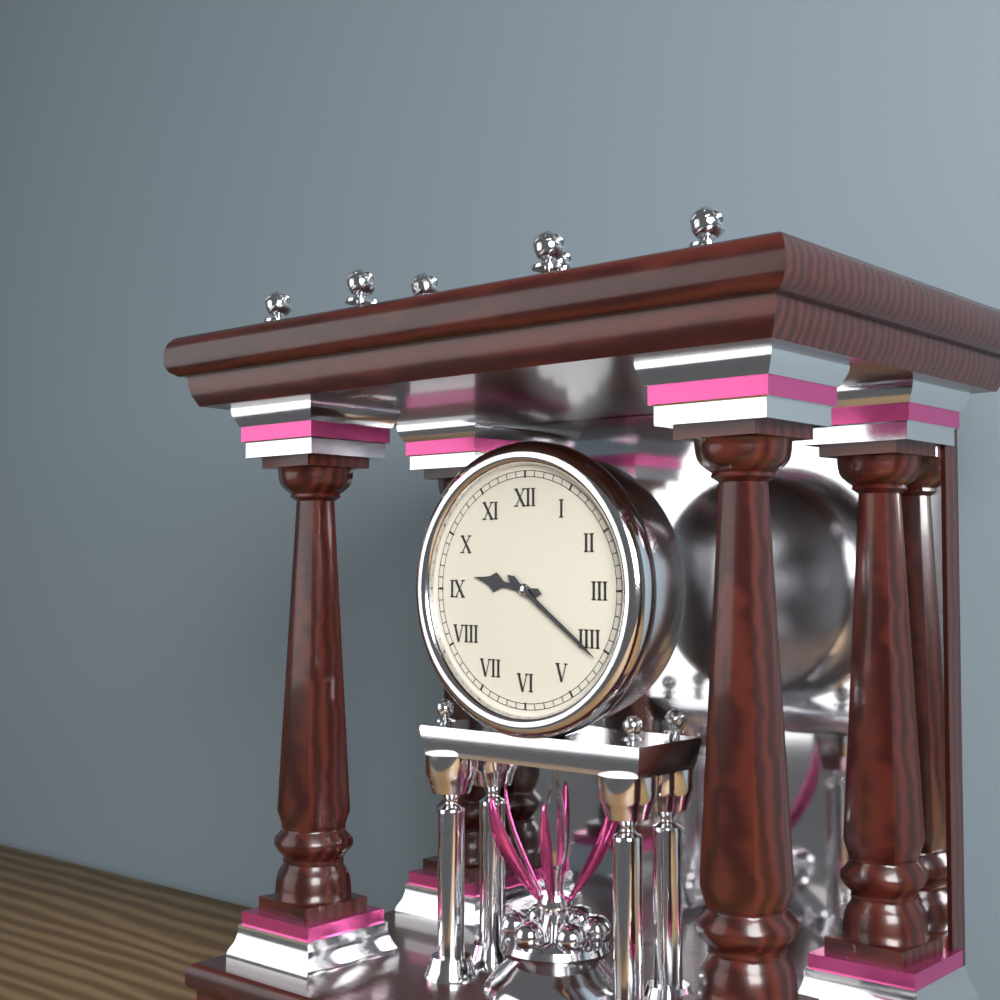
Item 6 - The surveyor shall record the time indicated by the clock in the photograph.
9:21
